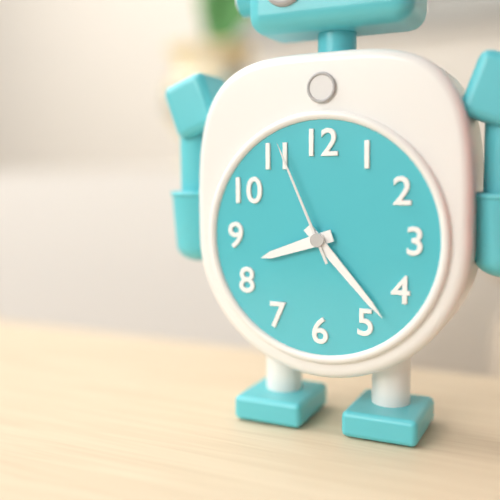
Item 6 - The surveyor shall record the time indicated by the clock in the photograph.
8:23:56
